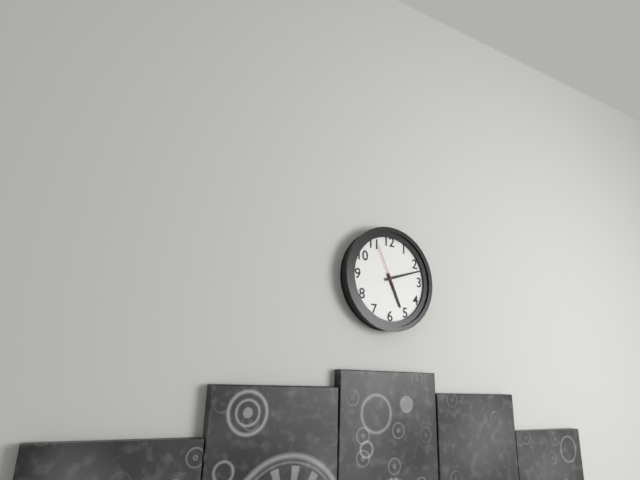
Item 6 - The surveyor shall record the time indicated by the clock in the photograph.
5:12
